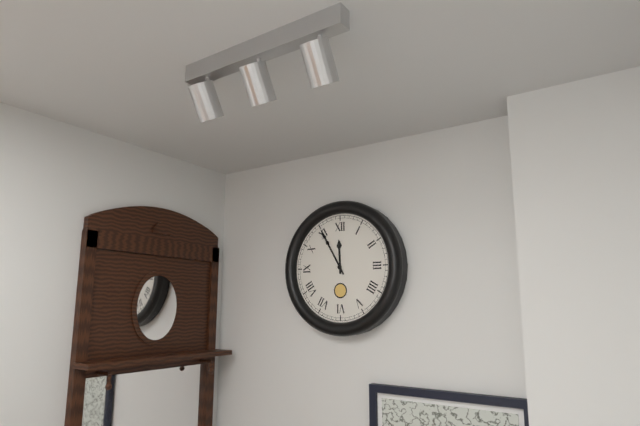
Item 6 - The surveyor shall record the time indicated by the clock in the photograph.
11:55
